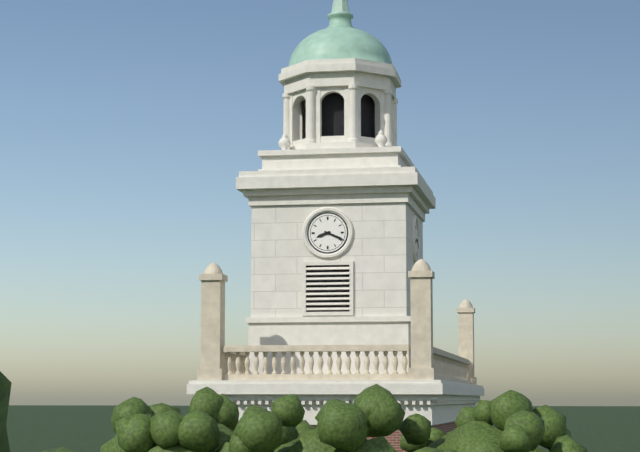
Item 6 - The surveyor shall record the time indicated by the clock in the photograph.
8:19
